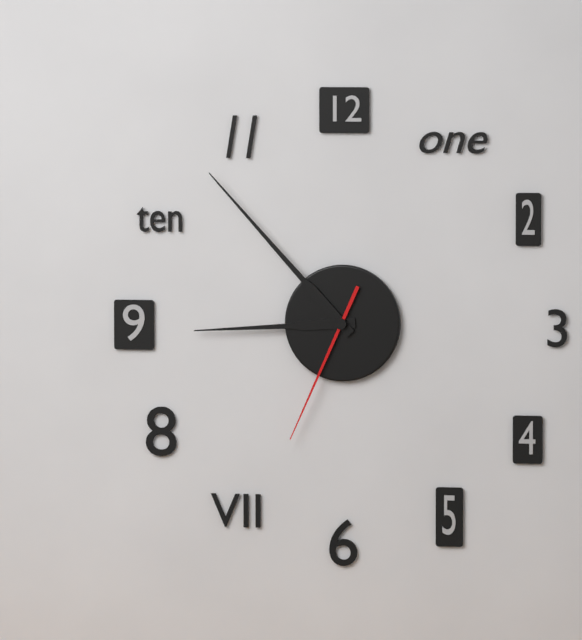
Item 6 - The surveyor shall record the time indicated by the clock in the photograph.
8:53:34
